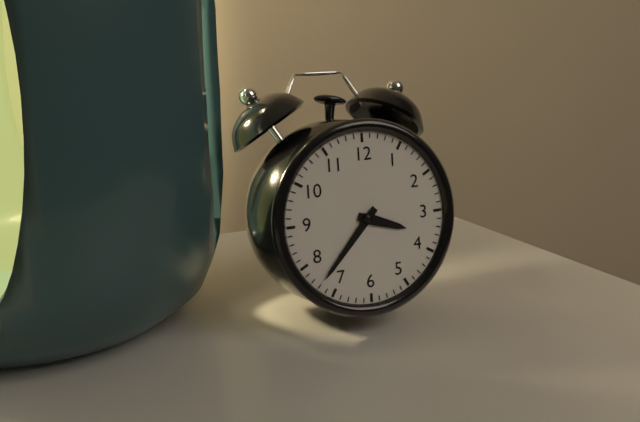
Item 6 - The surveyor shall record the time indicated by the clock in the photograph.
3:37
